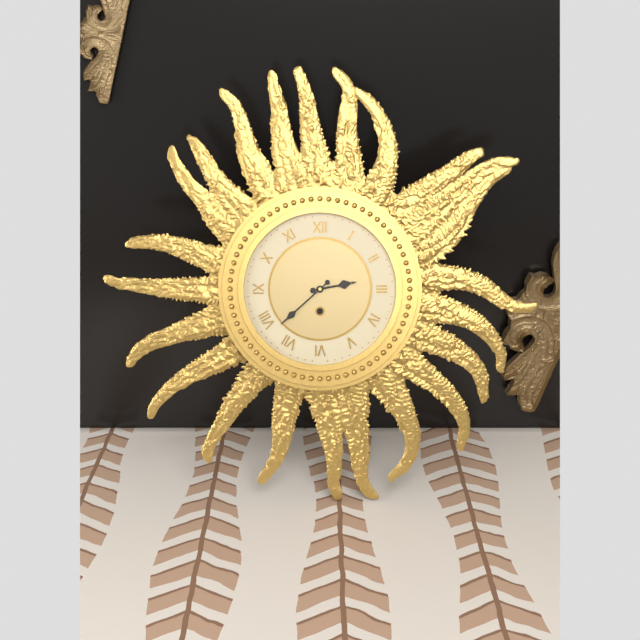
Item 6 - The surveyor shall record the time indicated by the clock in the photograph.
2:38
